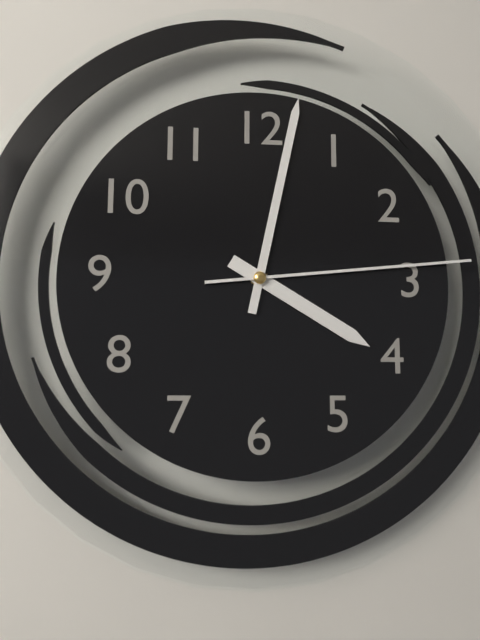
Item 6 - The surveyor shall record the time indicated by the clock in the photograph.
4:02:14
